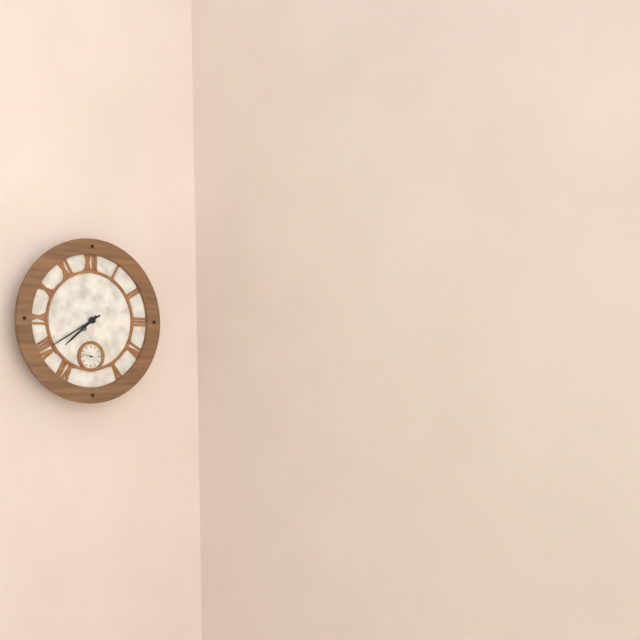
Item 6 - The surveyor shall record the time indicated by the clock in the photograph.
7:40
